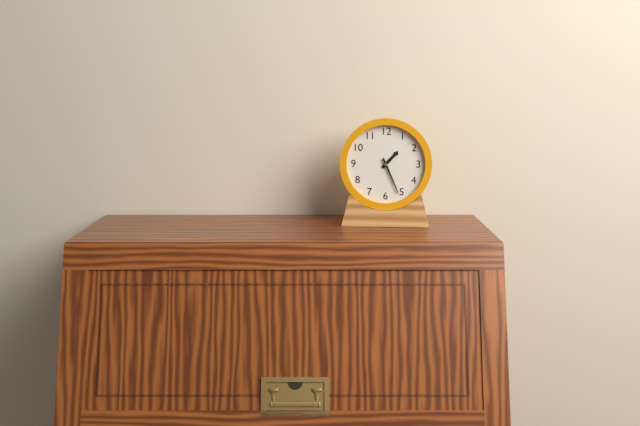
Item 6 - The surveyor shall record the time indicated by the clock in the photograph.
1:26
